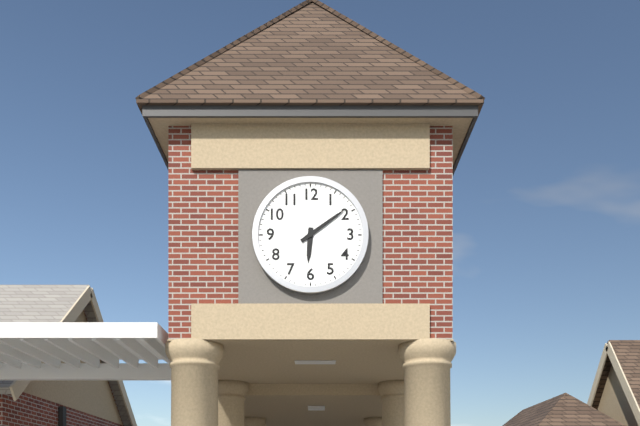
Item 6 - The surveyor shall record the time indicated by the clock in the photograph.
6:09
